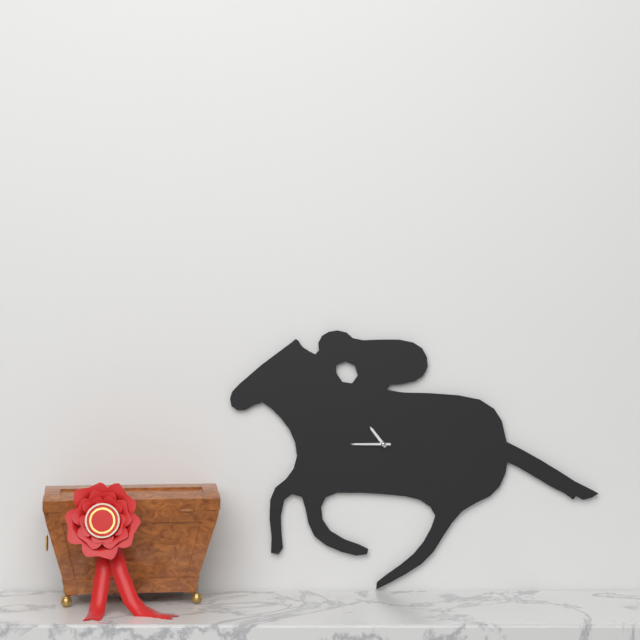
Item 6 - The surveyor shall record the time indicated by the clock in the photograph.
10:45
